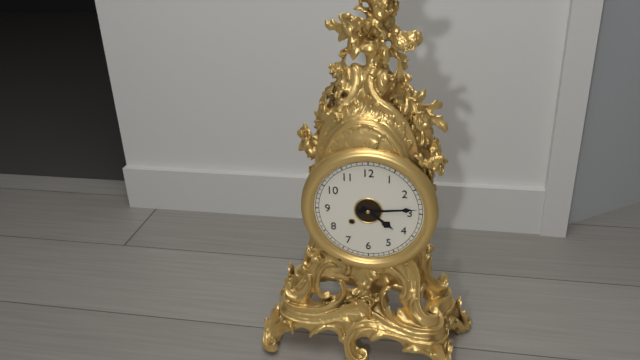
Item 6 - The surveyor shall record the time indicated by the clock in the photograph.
4:14
